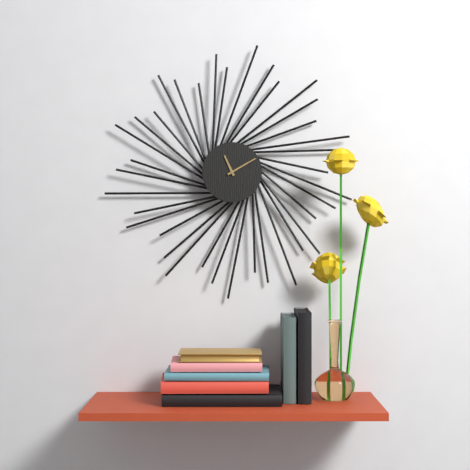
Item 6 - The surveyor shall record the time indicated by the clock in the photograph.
11:10
